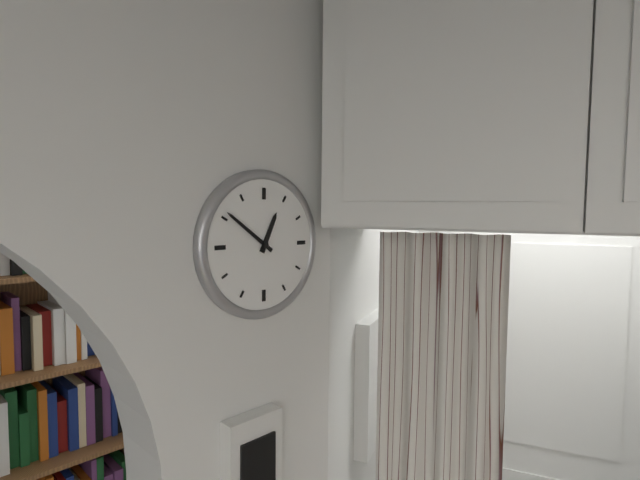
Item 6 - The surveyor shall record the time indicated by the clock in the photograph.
12:51
